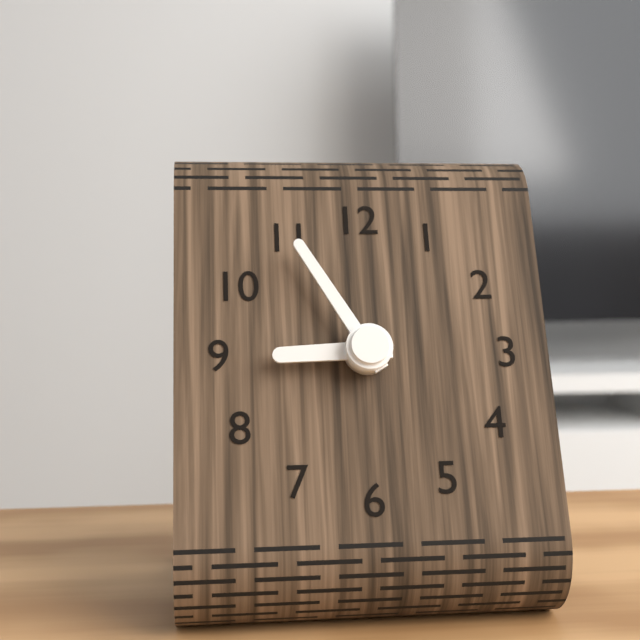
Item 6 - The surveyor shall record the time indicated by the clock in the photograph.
8:55
